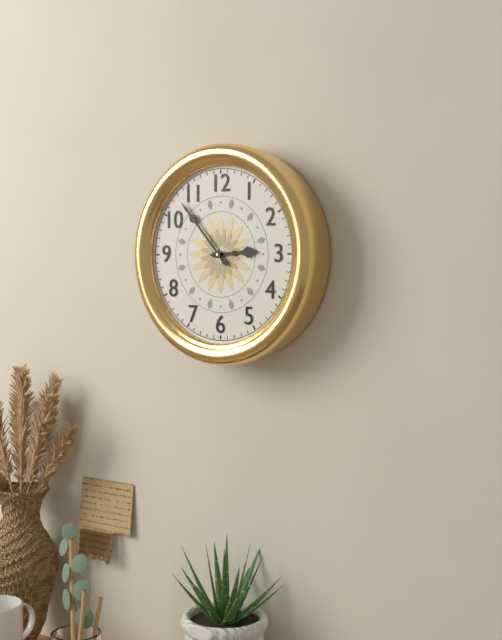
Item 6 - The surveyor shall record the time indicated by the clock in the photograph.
2:53
